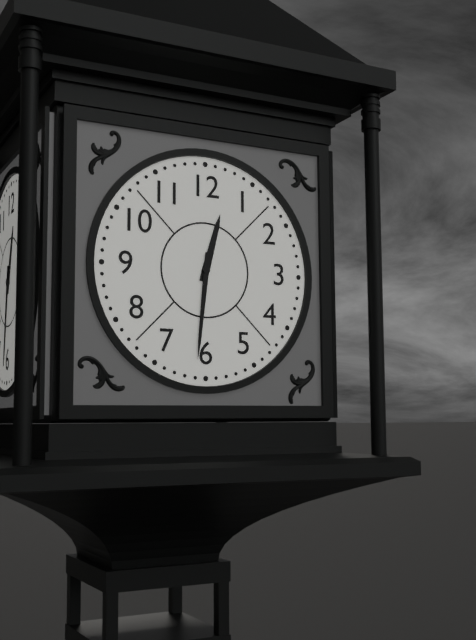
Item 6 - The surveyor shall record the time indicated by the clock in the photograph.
12:31
